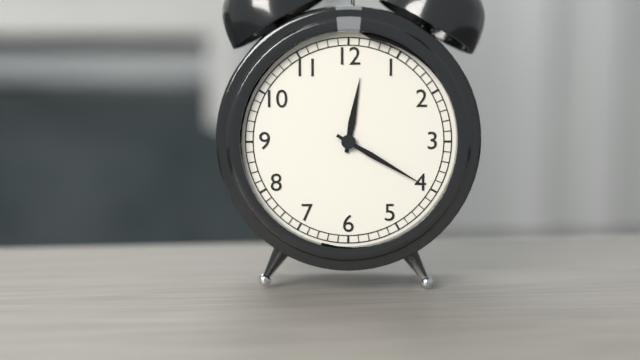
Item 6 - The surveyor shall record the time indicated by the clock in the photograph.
12:20
